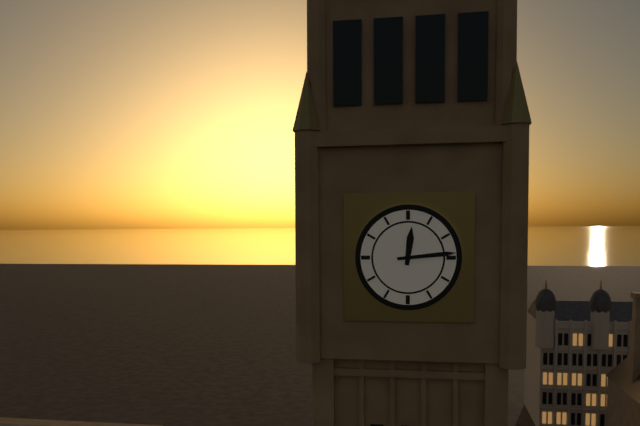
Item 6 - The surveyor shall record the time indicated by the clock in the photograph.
12:14
